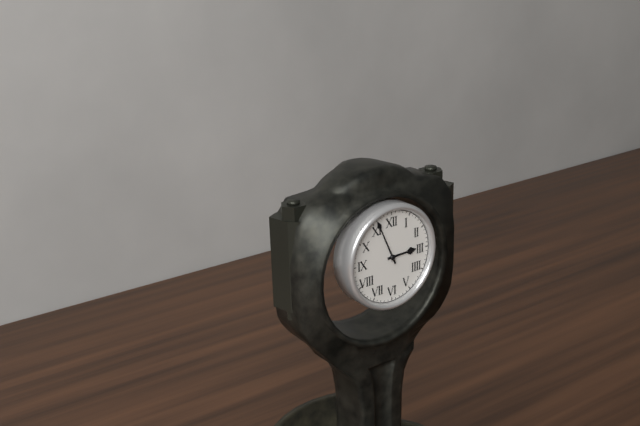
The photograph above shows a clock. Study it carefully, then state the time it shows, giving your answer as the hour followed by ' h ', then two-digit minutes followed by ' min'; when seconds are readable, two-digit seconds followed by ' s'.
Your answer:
2 h 56 min
